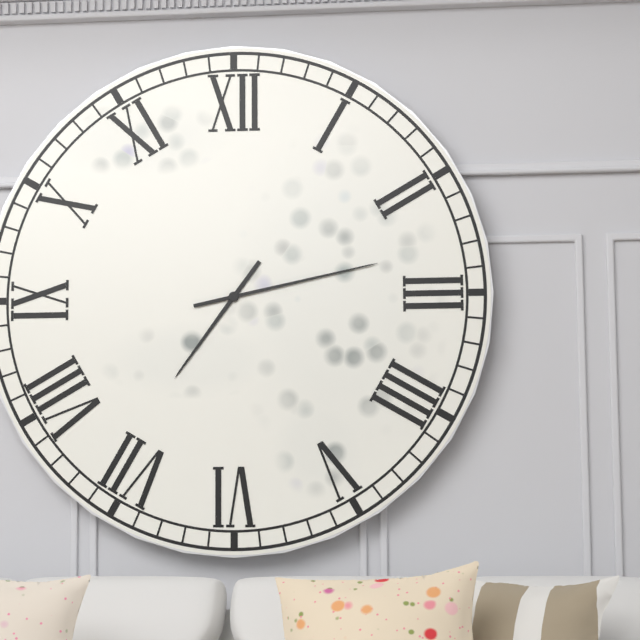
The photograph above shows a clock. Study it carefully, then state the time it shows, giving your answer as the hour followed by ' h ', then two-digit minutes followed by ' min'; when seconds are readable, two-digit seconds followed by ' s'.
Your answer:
7 h 13 min
